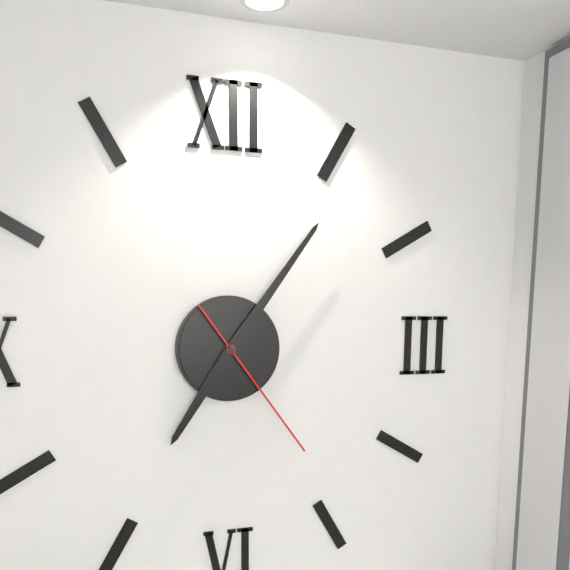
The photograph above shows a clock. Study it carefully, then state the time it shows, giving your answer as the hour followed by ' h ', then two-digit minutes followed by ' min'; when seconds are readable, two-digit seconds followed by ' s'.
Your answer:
7 h 06 min 24 s
